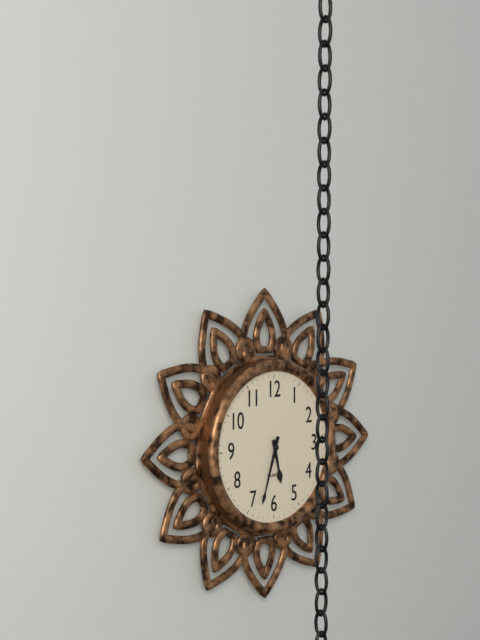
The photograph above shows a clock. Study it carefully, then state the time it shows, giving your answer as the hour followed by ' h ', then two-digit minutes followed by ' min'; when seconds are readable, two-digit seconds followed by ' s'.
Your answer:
5 h 33 min
